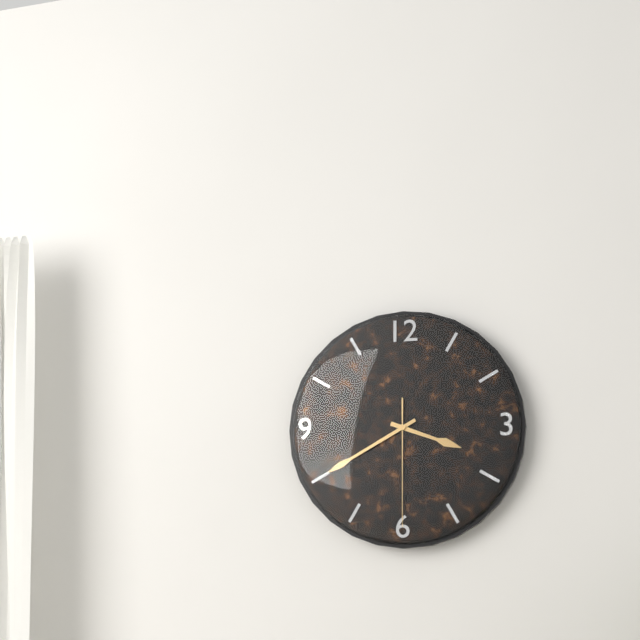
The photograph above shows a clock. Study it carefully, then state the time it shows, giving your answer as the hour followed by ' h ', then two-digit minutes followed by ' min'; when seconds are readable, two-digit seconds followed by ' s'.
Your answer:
3 h 40 min 30 s
